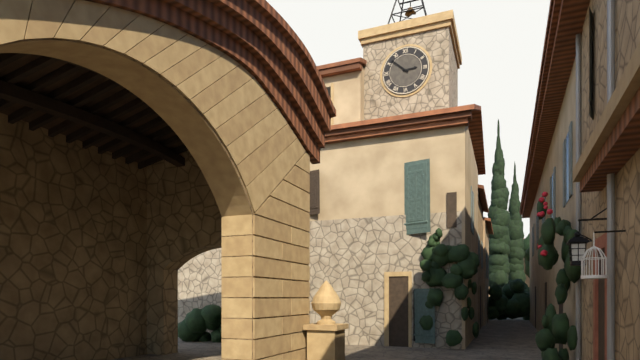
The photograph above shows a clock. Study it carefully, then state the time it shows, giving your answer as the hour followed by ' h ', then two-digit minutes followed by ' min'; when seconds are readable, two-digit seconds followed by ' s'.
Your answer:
2 h 52 min
